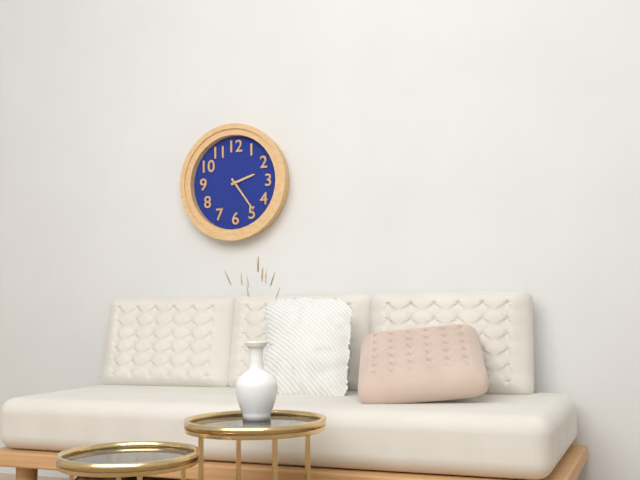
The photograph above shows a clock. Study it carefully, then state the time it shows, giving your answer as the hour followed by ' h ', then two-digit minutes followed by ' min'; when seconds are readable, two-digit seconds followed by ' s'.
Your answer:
2 h 24 min
